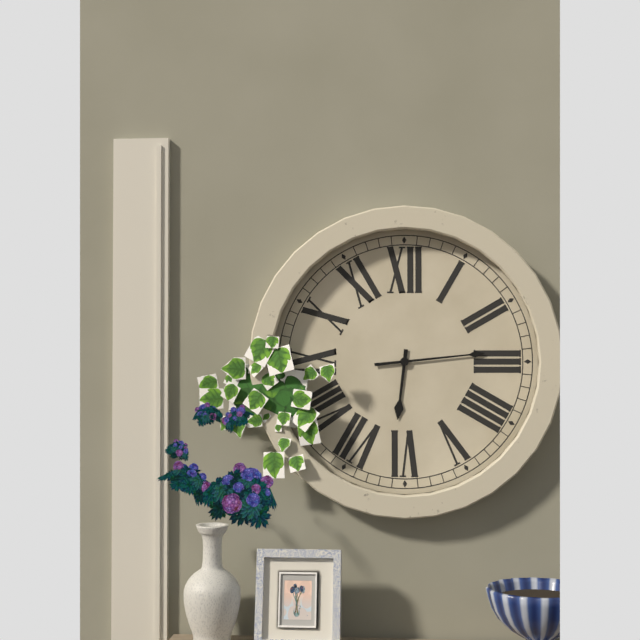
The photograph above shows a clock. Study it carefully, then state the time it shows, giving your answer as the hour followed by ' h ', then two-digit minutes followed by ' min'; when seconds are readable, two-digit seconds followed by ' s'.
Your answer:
6 h 14 min
